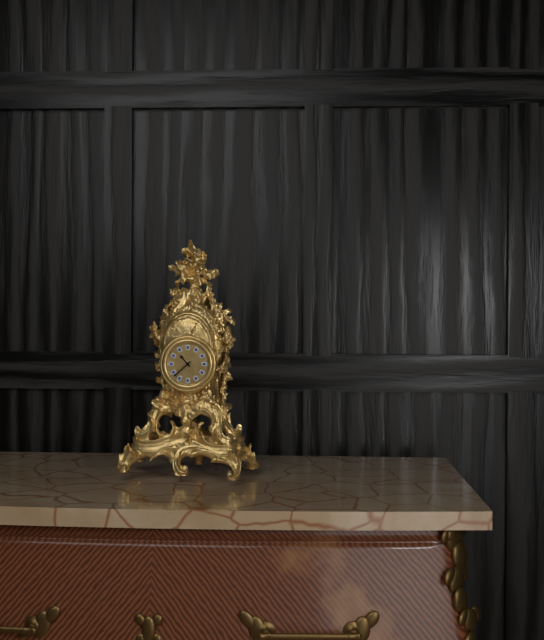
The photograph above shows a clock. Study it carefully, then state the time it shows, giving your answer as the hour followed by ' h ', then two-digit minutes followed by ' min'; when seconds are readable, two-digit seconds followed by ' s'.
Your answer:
10 h 38 min
